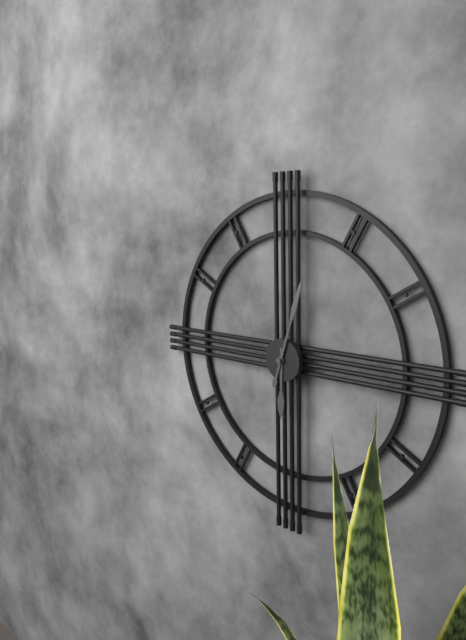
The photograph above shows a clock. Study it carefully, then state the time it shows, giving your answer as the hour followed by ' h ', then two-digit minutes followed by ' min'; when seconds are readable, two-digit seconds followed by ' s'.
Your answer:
6 h 03 min
